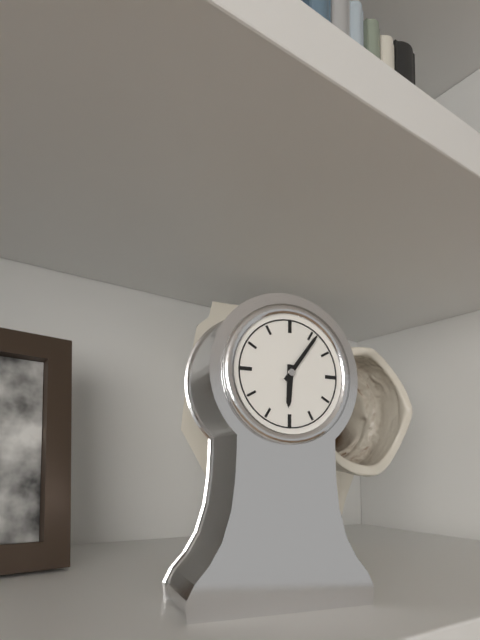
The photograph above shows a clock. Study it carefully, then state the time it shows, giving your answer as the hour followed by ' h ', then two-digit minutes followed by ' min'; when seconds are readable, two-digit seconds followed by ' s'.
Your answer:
6 h 06 min
